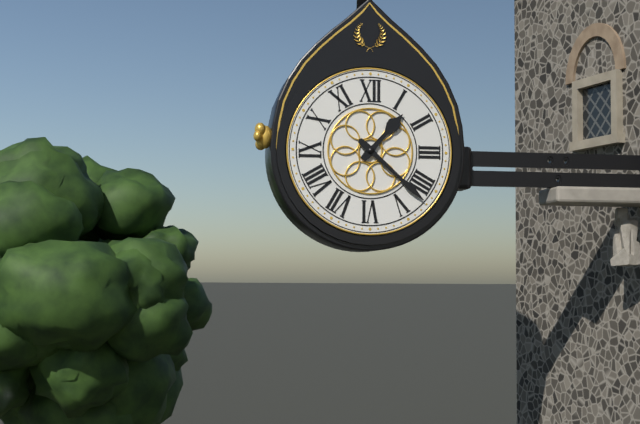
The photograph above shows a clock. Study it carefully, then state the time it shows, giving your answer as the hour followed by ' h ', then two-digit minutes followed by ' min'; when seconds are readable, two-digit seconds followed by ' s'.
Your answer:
1 h 22 min
